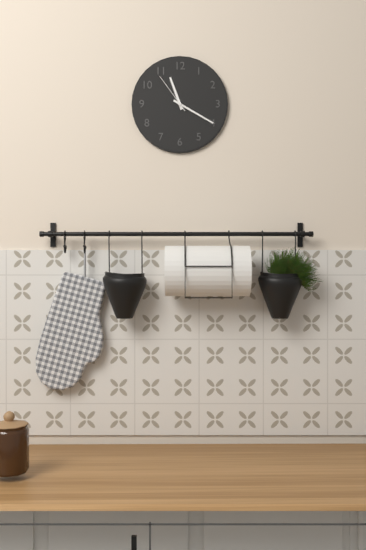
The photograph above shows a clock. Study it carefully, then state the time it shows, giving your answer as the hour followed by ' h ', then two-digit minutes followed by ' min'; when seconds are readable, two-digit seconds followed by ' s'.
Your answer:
11 h 20 min
